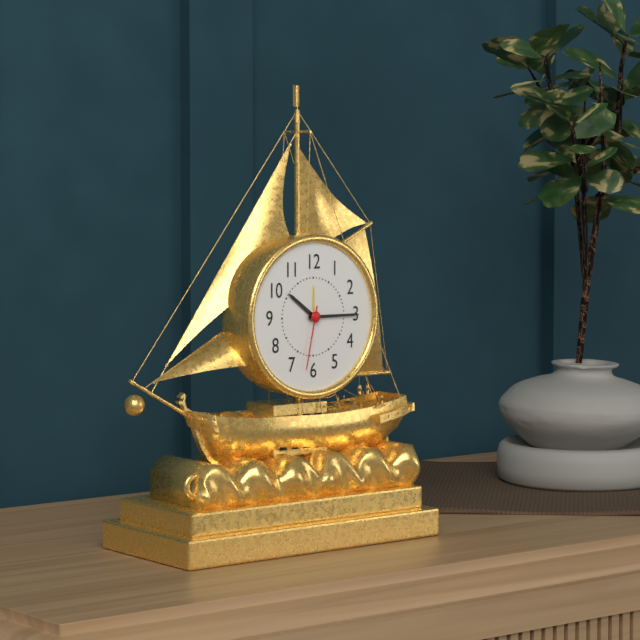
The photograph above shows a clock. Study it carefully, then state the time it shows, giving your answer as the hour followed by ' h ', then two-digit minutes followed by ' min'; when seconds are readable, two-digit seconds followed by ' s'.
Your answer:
10 h 15 min 32 s
